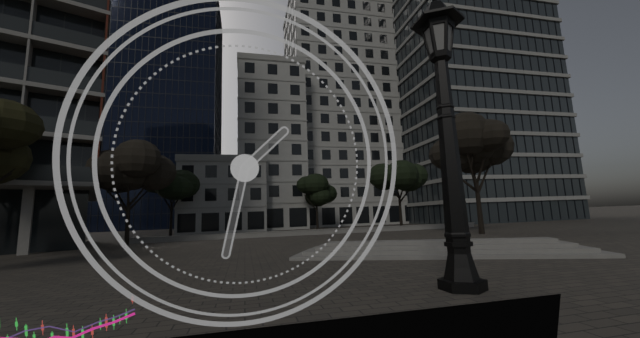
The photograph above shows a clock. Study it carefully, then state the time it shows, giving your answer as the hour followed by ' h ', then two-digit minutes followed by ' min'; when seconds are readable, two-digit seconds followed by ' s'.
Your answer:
1 h 32 min
